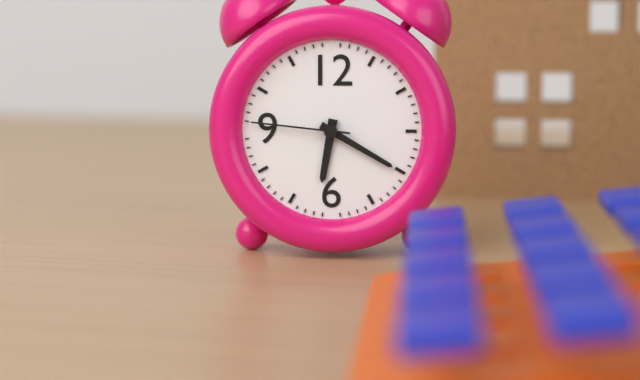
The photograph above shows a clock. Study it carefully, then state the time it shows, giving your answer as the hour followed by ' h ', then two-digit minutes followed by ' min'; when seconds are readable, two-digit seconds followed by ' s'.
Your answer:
6 h 20 min 46 s
